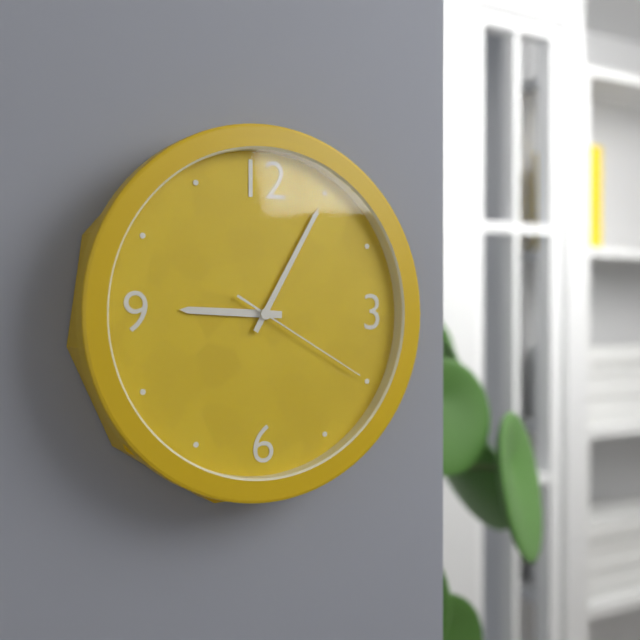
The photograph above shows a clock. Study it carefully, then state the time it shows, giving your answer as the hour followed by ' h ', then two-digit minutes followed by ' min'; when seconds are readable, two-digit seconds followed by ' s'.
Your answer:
9 h 05 min 20 s
